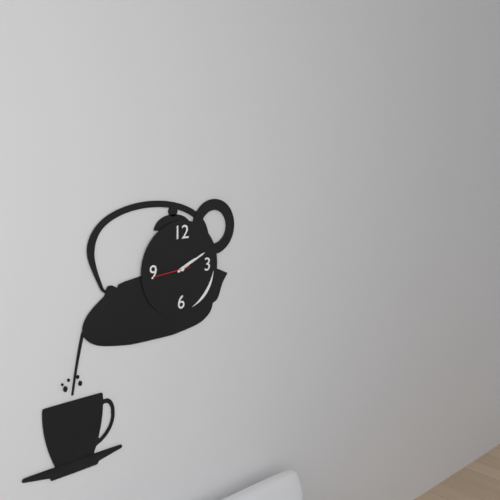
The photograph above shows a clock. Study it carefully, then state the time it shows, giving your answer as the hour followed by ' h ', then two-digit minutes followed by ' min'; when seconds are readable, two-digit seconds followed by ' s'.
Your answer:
2 h 11 min
